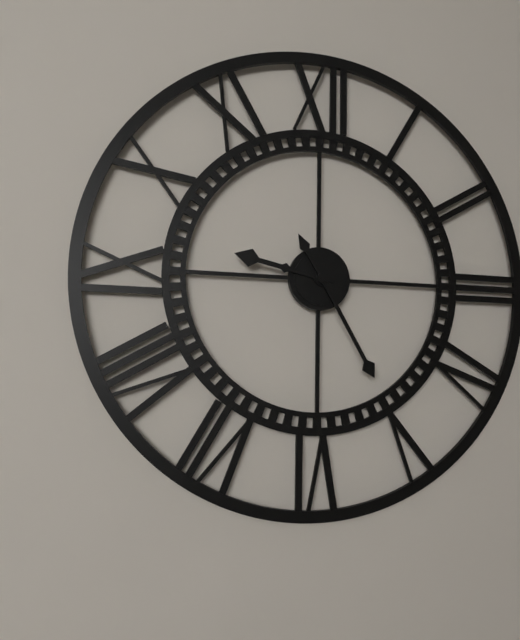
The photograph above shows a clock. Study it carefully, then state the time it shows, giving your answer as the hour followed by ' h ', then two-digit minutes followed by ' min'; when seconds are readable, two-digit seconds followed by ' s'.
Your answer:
9 h 25 min
